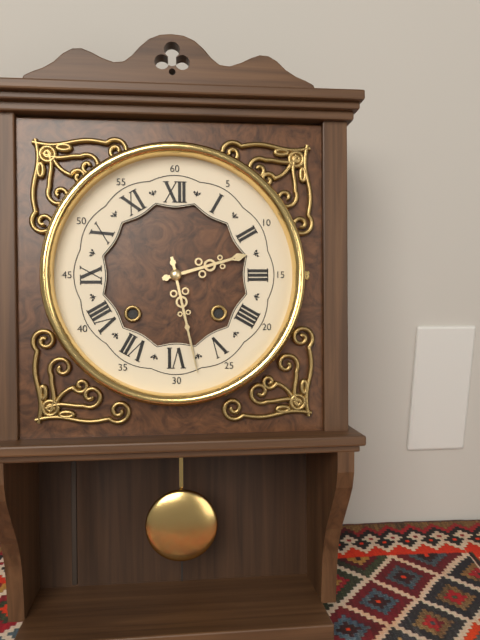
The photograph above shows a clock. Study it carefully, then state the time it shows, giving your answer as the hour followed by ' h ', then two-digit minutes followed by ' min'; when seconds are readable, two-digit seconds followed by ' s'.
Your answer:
2 h 28 min
